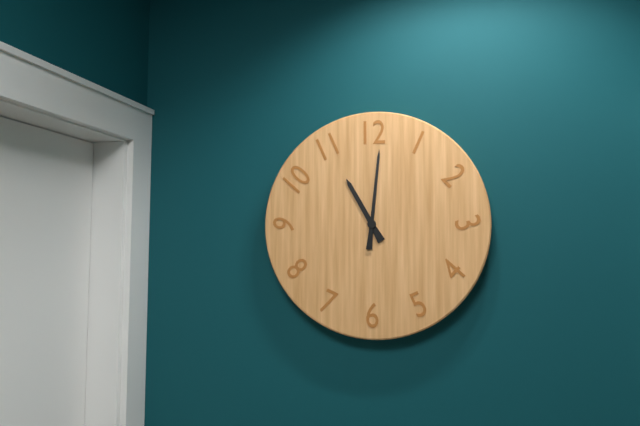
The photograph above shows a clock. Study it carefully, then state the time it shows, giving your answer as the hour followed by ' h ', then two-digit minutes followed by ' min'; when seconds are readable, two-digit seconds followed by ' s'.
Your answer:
11 h 01 min
